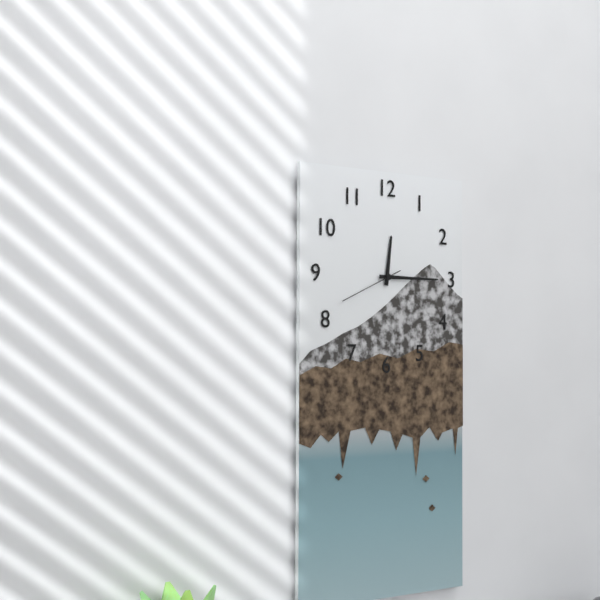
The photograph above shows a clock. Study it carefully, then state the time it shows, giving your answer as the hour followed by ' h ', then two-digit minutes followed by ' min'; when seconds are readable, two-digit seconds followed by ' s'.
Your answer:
12 h 15 min 41 s
